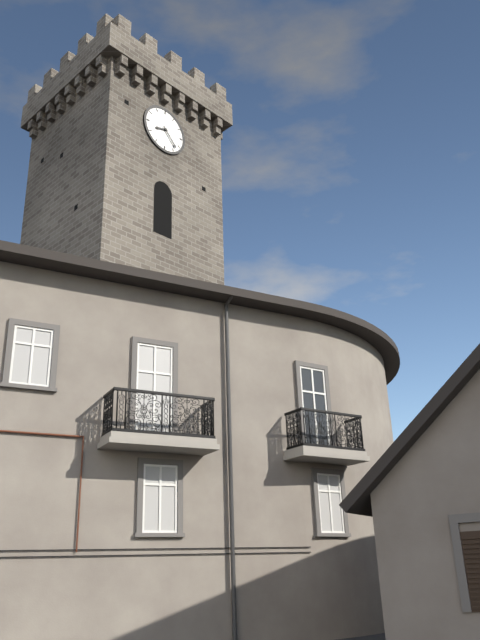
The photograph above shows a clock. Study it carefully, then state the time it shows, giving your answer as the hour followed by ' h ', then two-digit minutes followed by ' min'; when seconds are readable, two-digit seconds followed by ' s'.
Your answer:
8 h 23 min
